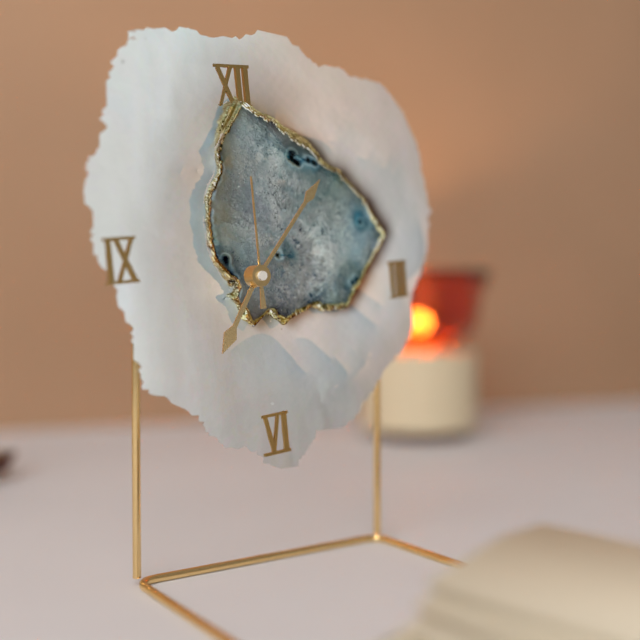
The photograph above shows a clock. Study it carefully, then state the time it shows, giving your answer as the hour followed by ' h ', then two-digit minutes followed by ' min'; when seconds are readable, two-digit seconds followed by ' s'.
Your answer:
7 h 07 min 00 s
